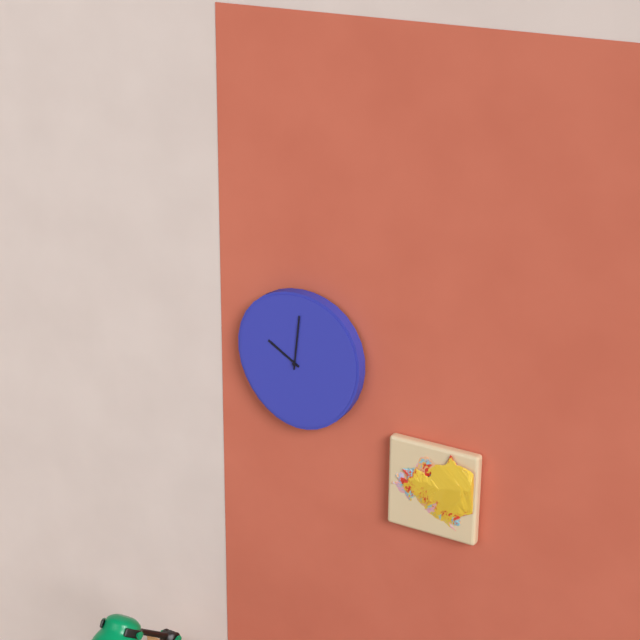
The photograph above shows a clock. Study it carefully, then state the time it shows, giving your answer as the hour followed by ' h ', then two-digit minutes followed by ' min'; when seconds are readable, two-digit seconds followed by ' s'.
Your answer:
10 h 01 min
